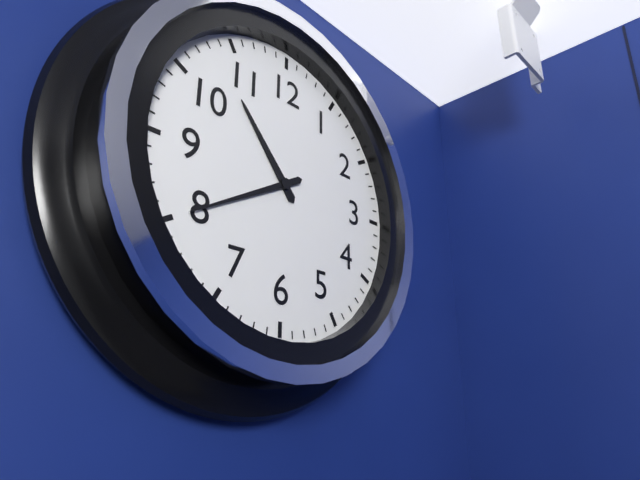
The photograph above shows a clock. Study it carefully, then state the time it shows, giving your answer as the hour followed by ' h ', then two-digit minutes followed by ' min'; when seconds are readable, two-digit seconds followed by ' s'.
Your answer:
10 h 40 min
